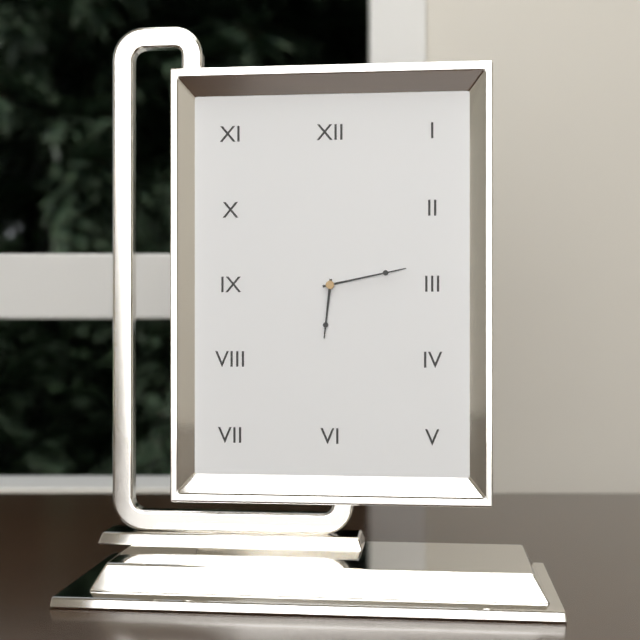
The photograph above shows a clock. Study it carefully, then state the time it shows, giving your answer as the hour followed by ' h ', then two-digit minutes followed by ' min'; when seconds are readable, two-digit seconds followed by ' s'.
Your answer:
6 h 13 min
